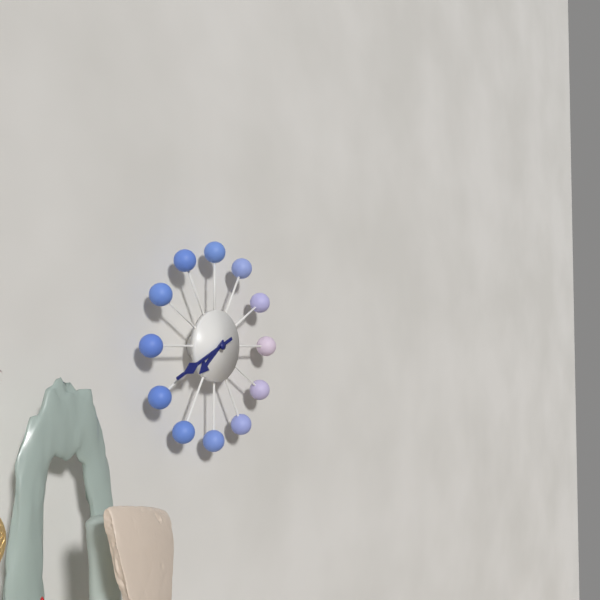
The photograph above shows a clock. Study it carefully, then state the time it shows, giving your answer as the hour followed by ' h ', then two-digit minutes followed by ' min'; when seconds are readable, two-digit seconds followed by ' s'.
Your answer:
7 h 41 min
